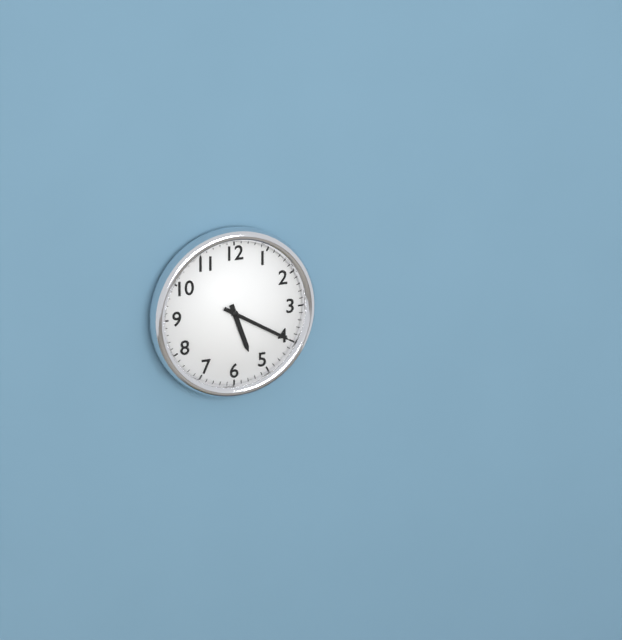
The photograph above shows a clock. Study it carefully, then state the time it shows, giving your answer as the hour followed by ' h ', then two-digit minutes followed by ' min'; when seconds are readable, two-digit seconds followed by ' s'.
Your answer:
5 h 20 min
